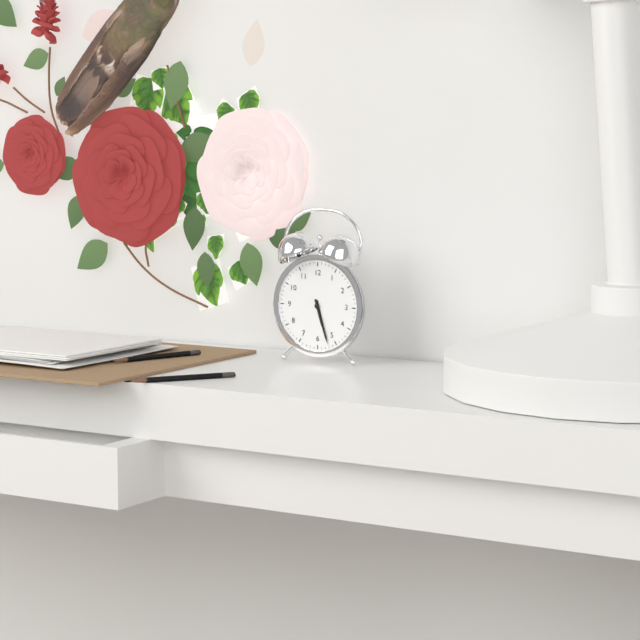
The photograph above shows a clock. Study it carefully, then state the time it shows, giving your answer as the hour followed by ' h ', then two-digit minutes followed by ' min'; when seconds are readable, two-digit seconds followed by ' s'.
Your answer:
5 h 27 min
